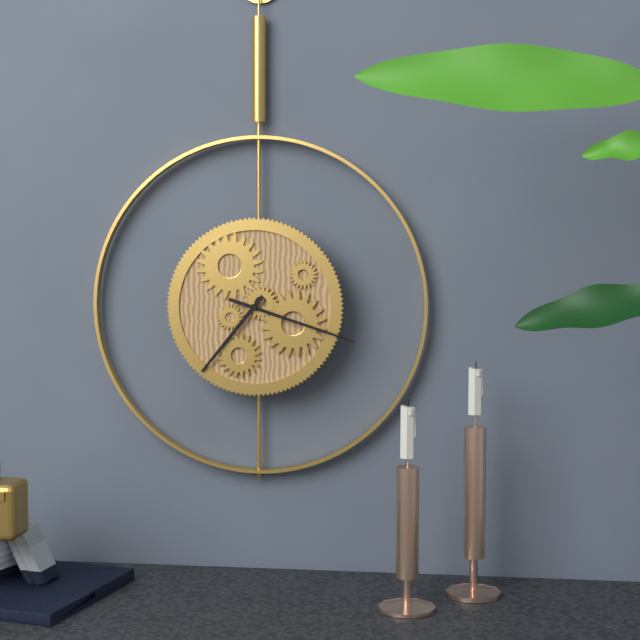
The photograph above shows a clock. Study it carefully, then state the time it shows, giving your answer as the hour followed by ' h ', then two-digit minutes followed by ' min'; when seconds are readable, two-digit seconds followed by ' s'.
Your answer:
7 h 18 min
